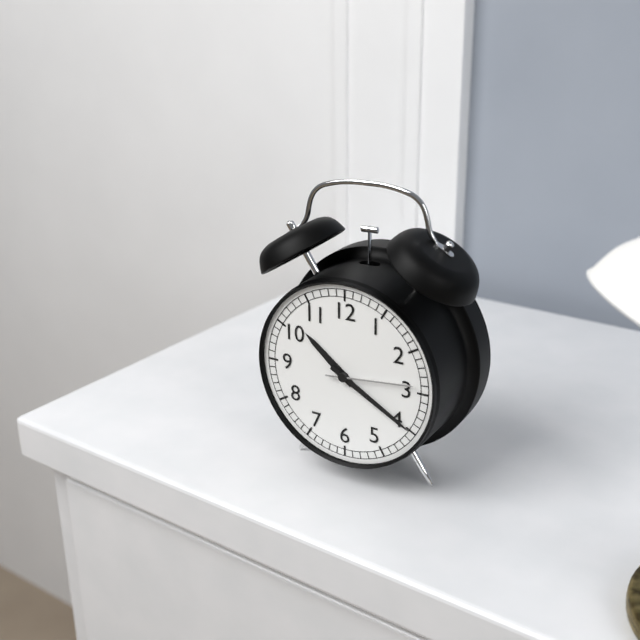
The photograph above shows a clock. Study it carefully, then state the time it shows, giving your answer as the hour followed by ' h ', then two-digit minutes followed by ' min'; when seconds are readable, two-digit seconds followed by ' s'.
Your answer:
10 h 20 min 14 s
